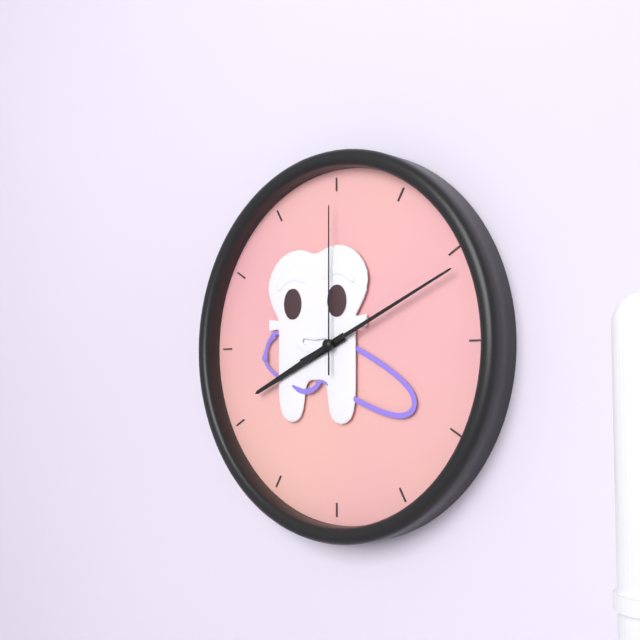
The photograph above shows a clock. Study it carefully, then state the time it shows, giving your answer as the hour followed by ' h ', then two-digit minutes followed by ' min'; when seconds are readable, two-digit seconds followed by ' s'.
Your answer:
8 h 11 min 00 s
